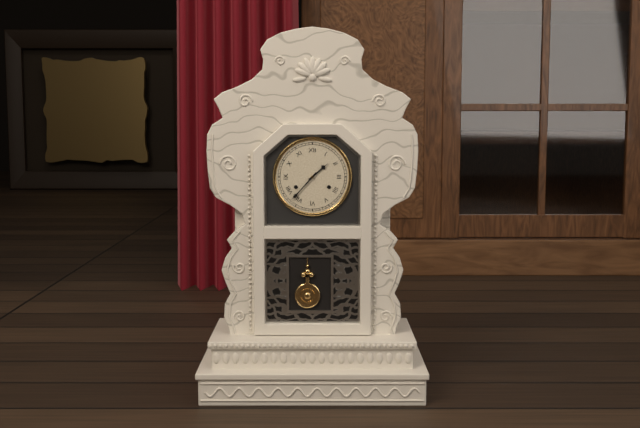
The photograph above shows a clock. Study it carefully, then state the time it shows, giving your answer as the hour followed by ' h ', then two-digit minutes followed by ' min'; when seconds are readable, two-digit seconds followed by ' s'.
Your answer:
1 h 37 min
